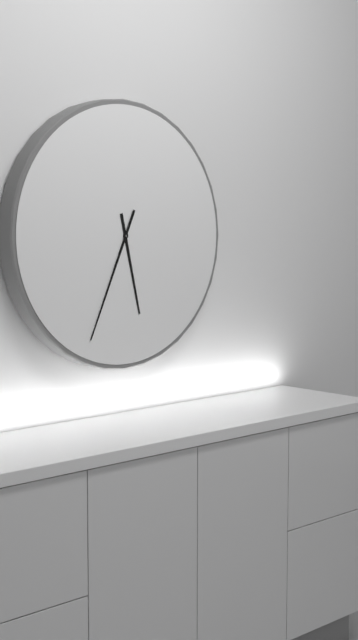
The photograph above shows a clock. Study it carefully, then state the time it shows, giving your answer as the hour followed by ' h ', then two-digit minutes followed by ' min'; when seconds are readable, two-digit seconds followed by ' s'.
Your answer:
5 h 34 min
